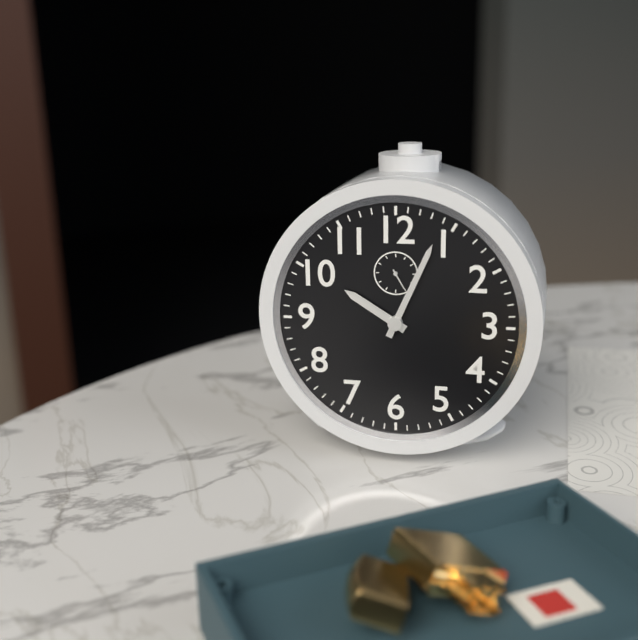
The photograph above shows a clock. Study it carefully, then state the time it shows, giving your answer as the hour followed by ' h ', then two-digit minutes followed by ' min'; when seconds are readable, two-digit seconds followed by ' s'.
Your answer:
10 h 04 min
